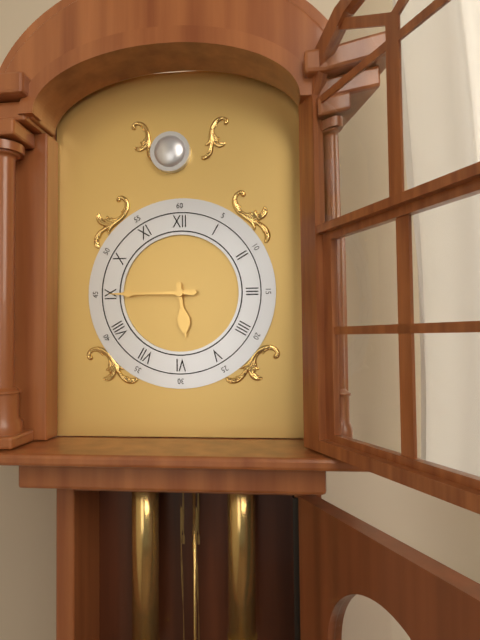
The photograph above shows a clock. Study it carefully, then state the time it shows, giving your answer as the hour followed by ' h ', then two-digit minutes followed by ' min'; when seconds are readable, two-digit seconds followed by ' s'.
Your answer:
5 h 45 min
